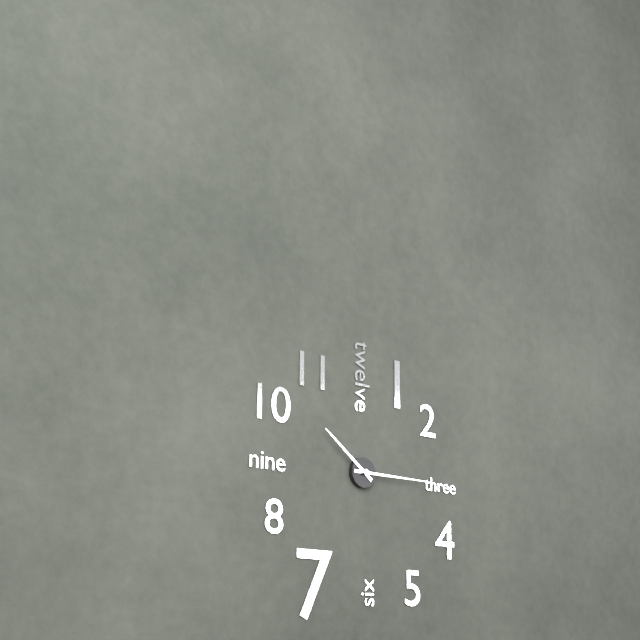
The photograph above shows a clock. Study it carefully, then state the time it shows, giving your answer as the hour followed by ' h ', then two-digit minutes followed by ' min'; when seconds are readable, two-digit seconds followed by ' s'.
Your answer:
10 h 15 min
